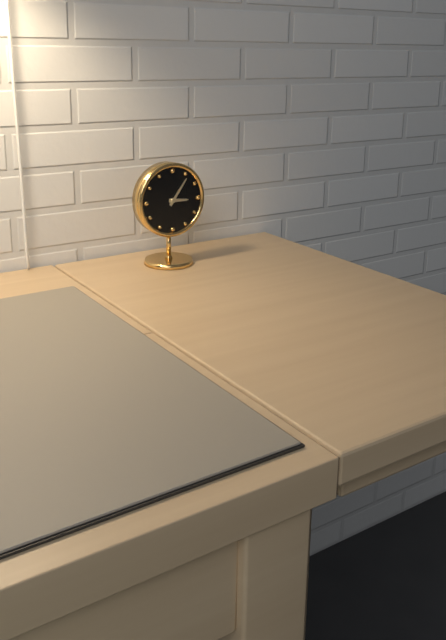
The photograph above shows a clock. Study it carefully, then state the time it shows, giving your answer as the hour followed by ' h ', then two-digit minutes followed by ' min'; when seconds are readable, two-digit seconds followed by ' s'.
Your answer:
3 h 06 min
